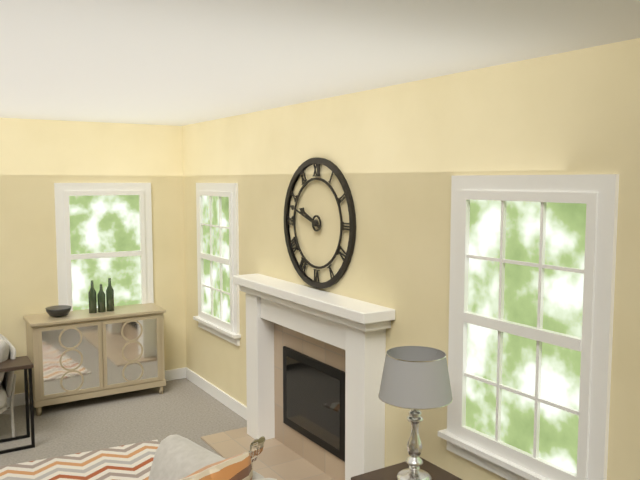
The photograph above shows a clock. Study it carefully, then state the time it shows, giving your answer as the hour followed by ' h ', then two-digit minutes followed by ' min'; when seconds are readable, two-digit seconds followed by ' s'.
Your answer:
9 h 48 min
